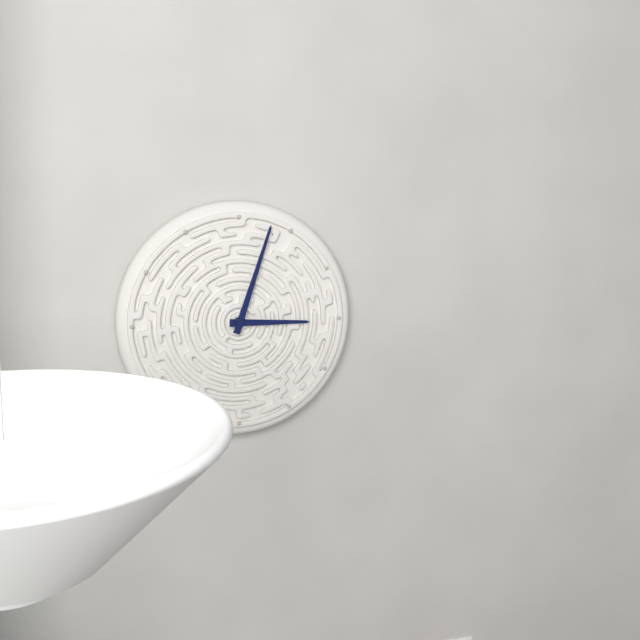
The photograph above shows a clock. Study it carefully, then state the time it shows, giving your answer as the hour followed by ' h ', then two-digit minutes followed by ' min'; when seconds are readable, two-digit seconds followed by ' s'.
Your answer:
3 h 03 min
